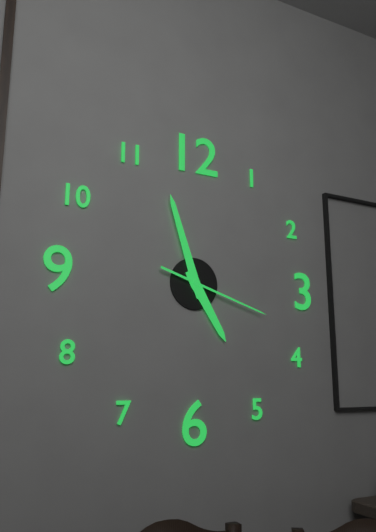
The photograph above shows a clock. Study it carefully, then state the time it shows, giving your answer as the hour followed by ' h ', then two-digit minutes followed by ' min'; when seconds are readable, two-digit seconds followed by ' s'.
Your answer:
4 h 57 min 18 s
